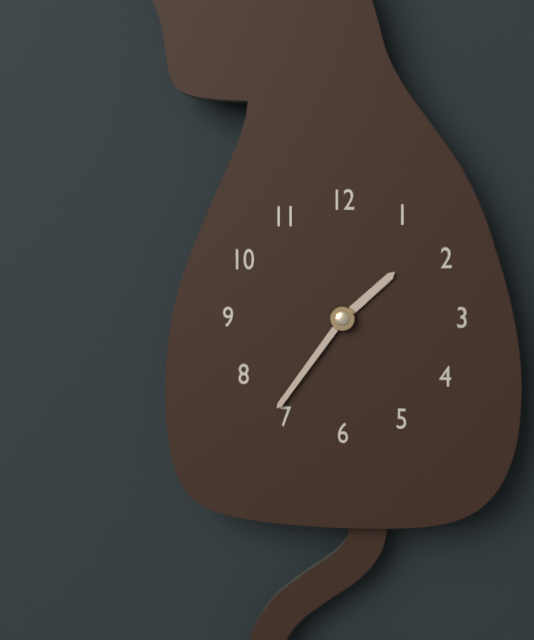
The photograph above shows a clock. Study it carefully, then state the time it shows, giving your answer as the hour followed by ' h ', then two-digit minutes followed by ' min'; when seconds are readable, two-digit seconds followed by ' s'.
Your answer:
1 h 36 min
